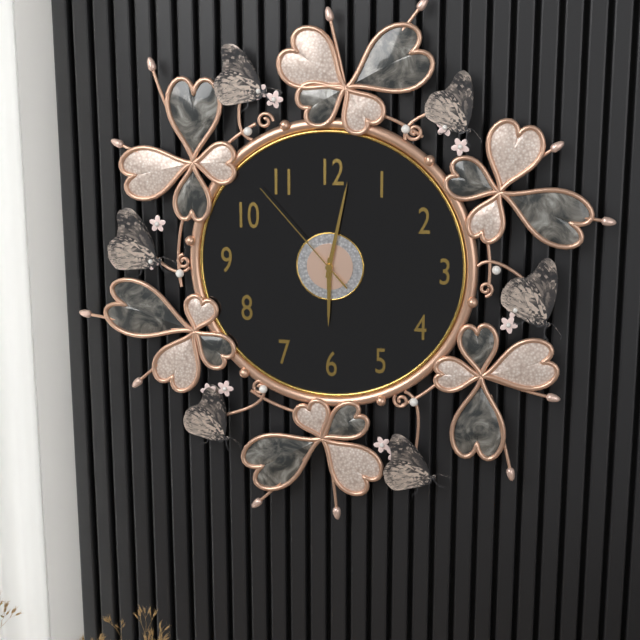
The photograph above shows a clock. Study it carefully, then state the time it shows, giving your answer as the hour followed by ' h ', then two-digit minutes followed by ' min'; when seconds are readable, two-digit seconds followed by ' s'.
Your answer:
6 h 02 min 53 s
